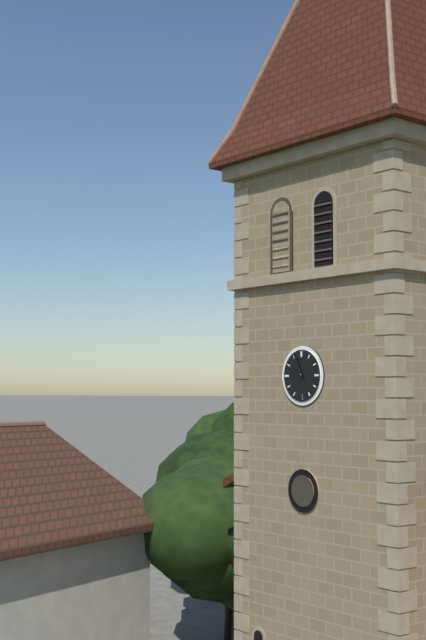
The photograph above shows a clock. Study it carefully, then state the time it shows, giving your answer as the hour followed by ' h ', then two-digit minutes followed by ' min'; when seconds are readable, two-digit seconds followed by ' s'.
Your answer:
9 h 56 min
